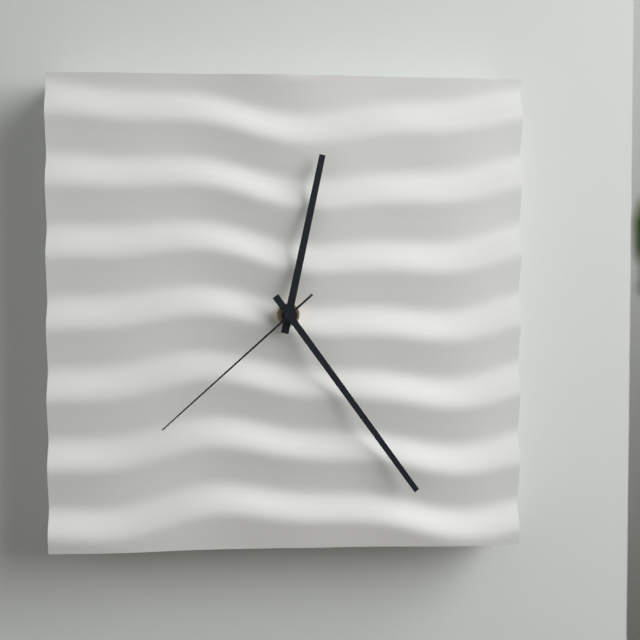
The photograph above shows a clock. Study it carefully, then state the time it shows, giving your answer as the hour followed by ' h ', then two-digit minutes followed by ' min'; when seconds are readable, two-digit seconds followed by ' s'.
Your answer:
12 h 24 min 38 s
